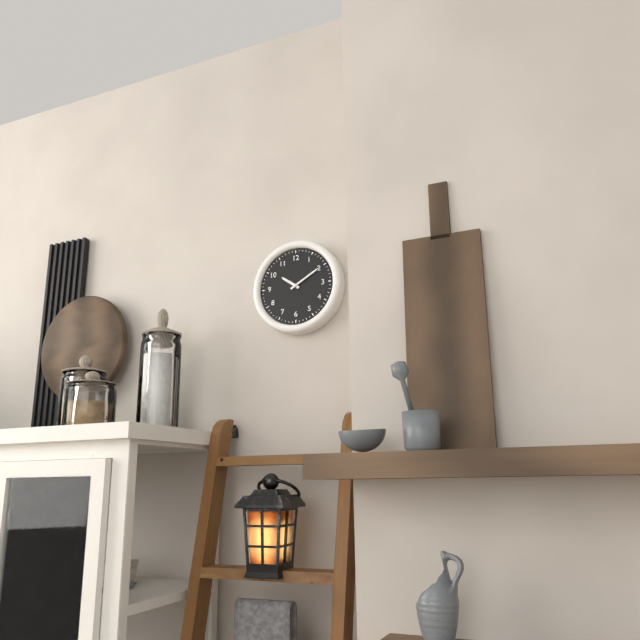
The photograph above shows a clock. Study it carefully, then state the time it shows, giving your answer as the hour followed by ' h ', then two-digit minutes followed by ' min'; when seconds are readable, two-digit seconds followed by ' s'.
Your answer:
10 h 10 min
